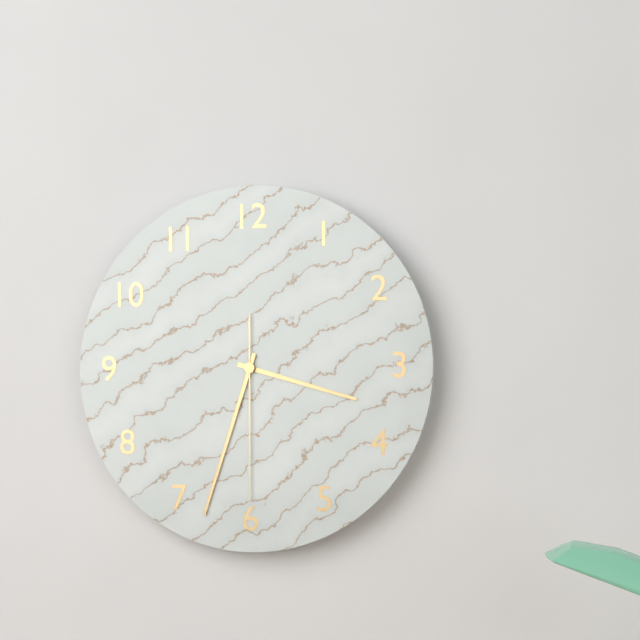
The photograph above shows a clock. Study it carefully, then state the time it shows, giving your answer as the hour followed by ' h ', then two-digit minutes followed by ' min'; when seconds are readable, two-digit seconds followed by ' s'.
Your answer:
3 h 33 min 30 s
